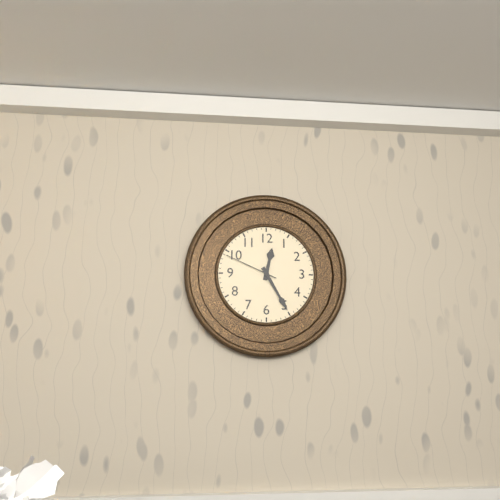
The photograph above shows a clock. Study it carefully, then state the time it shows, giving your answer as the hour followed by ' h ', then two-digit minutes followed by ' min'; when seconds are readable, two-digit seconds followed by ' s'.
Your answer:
12 h 25 min 49 s
